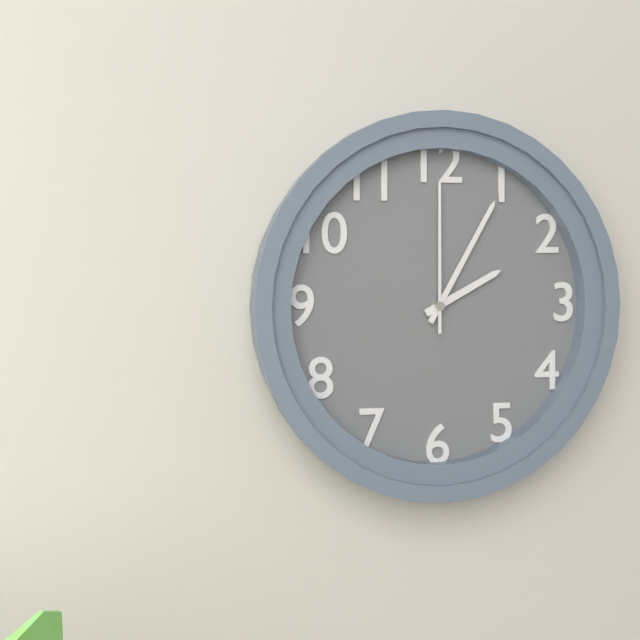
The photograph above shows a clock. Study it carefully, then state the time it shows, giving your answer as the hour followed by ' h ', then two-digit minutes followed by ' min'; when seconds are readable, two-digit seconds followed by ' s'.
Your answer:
2 h 05 min 00 s
